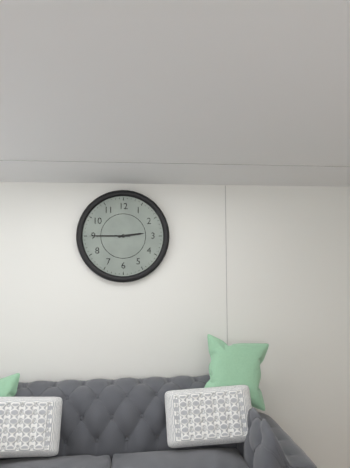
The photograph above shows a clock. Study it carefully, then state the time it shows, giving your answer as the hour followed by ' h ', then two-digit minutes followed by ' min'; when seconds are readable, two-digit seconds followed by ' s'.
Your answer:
2 h 45 min
